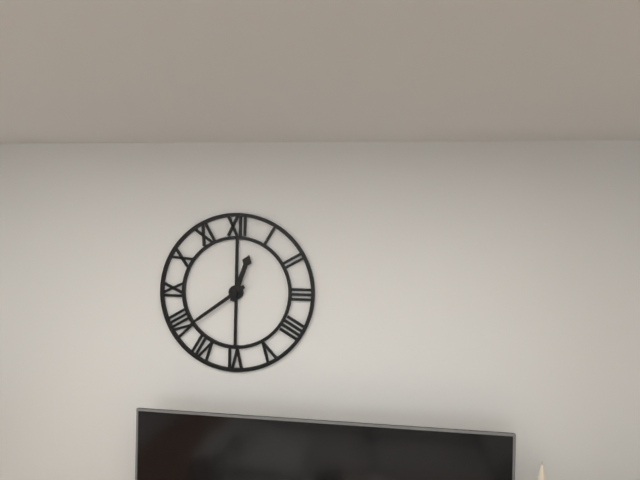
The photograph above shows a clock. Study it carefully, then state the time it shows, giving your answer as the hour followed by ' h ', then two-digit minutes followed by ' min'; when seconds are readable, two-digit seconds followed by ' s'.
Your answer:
12 h 39 min
